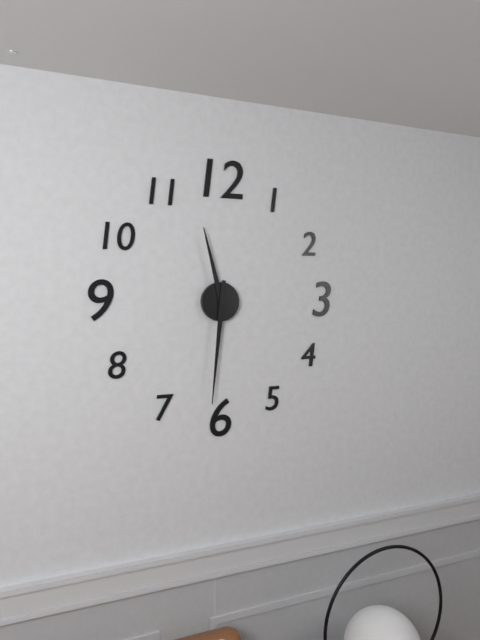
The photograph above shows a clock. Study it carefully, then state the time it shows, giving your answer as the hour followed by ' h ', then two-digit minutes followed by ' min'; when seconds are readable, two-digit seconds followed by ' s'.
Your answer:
11 h 31 min
